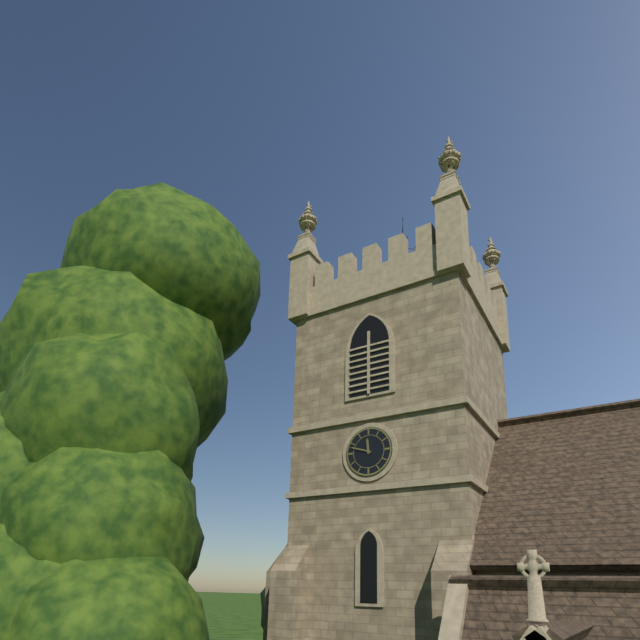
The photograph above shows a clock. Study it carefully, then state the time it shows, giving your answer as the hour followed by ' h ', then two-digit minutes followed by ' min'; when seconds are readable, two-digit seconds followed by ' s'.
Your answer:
11 h 48 min
